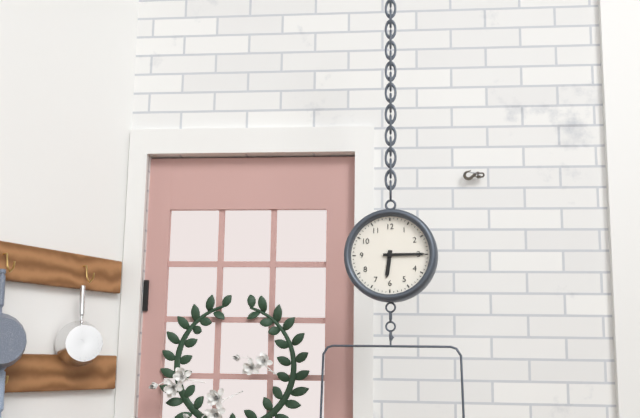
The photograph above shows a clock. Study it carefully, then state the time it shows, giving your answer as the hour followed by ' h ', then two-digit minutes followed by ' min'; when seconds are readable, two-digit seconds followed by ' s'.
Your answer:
6 h 15 min
